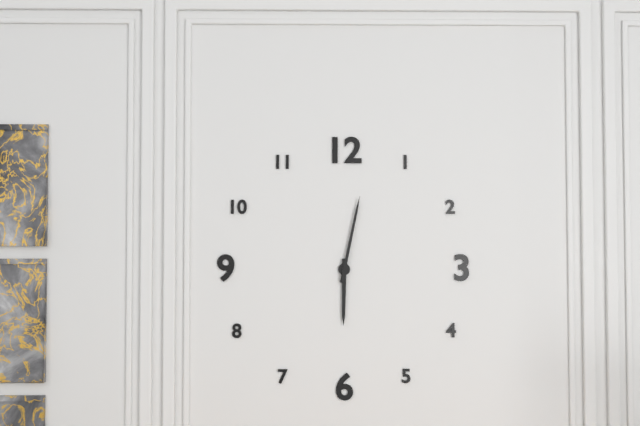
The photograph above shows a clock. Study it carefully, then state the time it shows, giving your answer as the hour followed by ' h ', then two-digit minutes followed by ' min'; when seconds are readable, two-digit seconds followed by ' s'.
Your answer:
6 h 02 min
